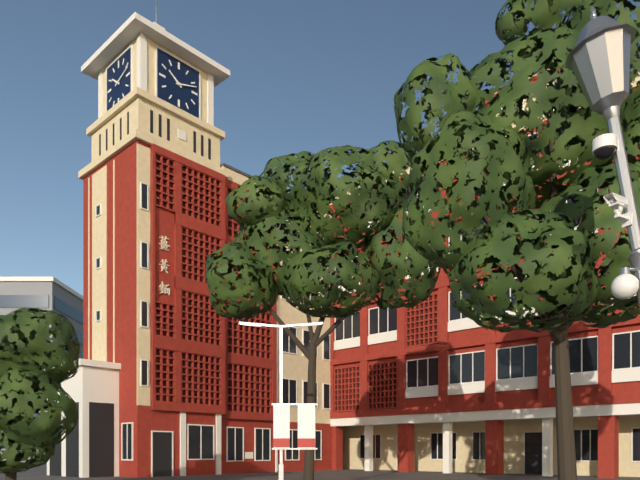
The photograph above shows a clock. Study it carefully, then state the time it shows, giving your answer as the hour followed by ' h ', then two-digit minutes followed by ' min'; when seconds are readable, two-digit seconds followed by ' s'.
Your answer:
10 h 12 min
